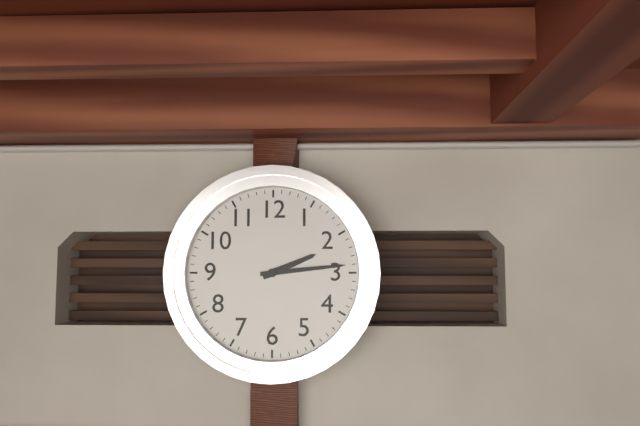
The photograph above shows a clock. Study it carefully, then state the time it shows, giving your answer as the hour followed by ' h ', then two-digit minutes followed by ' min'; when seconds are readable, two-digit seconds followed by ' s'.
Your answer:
2 h 14 min
